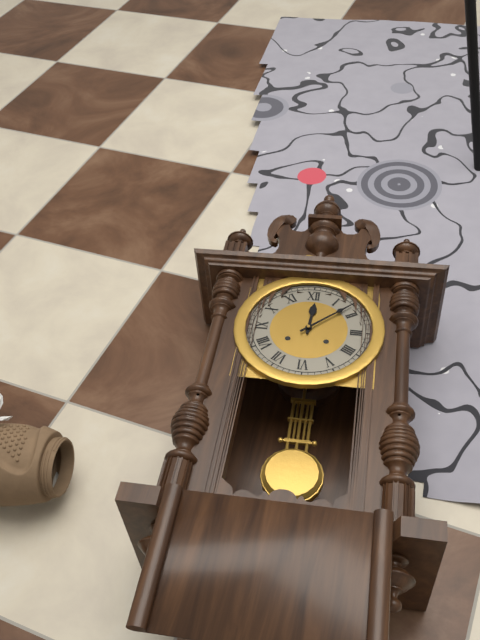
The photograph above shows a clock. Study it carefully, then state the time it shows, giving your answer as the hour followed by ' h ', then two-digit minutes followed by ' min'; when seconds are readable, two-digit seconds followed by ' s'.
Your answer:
12 h 08 min
